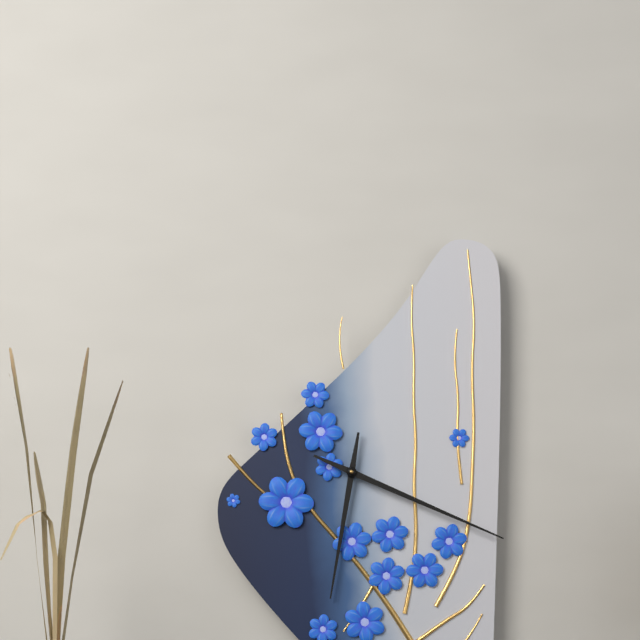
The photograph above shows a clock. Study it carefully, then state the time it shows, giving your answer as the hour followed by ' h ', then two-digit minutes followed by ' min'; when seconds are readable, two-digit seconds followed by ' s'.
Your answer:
6 h 19 min
